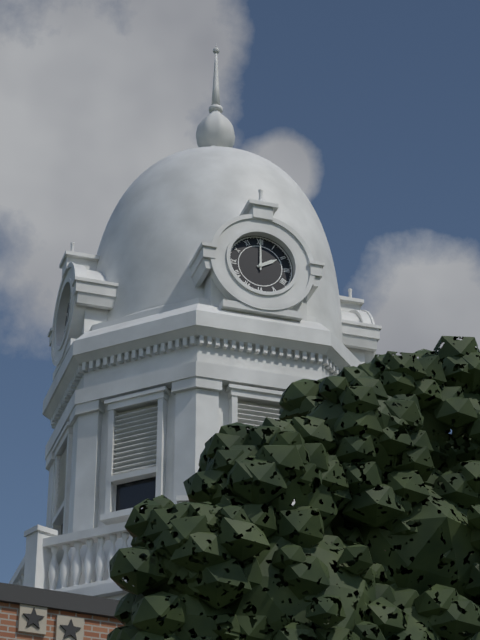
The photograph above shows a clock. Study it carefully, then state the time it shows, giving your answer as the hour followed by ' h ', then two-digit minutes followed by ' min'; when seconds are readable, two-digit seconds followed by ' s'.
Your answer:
2 h 00 min
